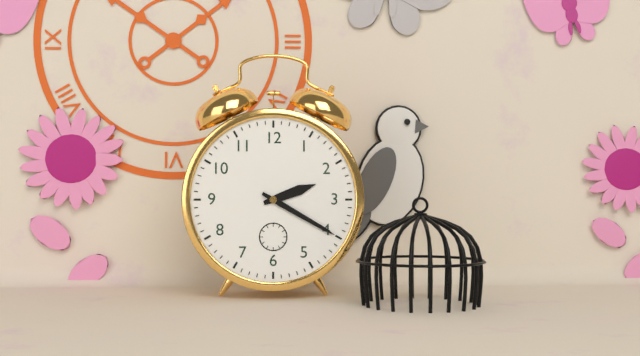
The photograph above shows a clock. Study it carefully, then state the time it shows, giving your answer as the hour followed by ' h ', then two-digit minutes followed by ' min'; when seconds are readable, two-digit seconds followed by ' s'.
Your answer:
2 h 20 min
